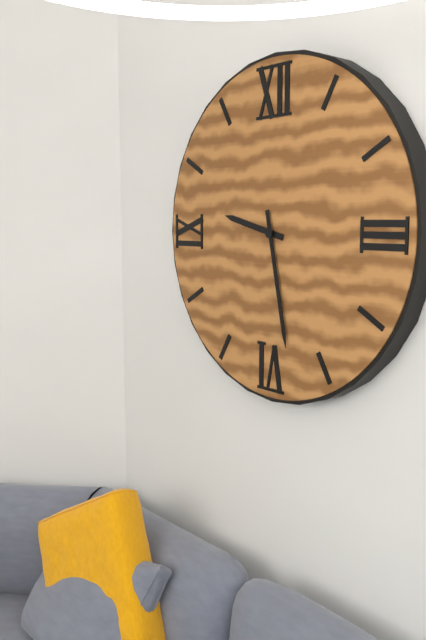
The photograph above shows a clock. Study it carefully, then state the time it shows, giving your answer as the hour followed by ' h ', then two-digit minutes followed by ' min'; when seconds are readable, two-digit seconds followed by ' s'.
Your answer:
9 h 28 min
